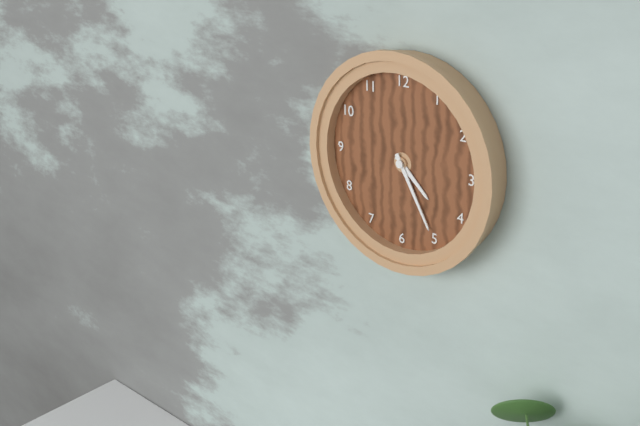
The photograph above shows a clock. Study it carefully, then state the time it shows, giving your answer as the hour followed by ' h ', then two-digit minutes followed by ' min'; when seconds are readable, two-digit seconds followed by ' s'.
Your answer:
4 h 25 min
